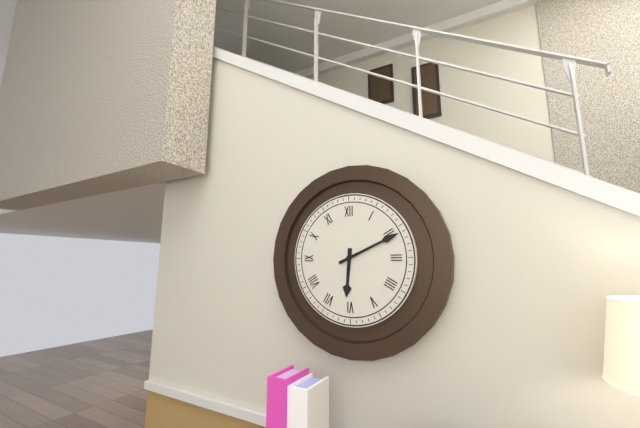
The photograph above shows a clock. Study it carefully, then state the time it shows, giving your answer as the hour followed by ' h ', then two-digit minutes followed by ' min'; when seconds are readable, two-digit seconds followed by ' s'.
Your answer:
6 h 11 min
